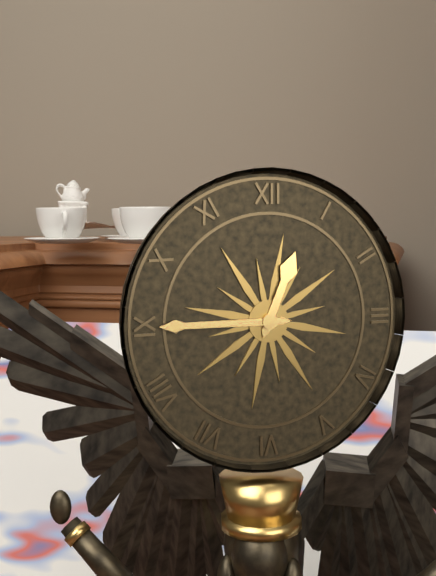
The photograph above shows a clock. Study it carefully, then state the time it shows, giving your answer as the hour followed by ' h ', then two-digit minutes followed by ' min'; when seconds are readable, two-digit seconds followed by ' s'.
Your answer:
12 h 45 min
